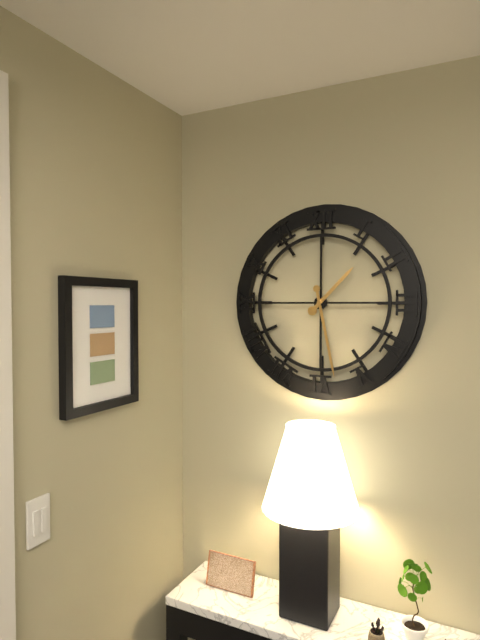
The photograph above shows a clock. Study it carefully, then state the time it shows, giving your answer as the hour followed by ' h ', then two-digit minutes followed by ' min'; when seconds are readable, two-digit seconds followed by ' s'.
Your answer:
1 h 28 min
